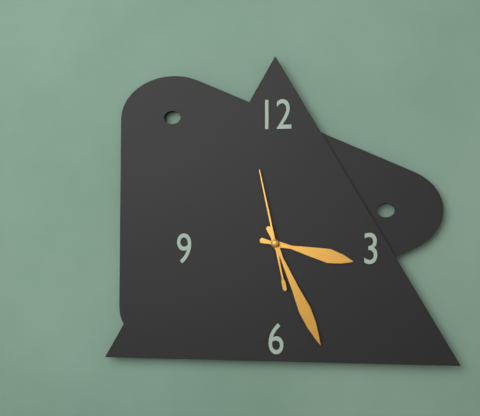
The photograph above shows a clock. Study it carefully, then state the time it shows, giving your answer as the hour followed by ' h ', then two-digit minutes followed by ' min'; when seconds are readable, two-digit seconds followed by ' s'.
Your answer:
3 h 26 min 58 s
